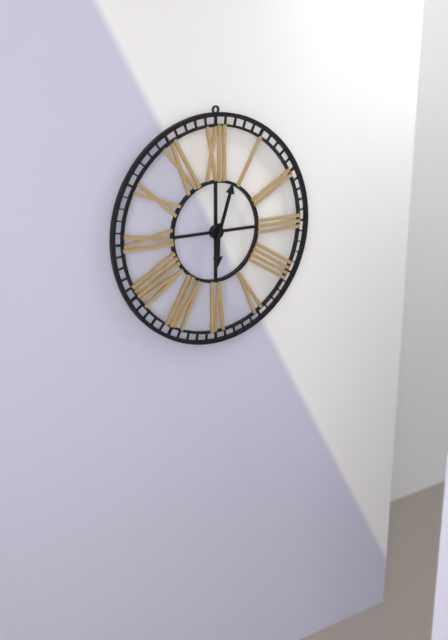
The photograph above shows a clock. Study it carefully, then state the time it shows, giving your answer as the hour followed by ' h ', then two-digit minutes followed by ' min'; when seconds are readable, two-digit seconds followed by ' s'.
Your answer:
6 h 03 min
